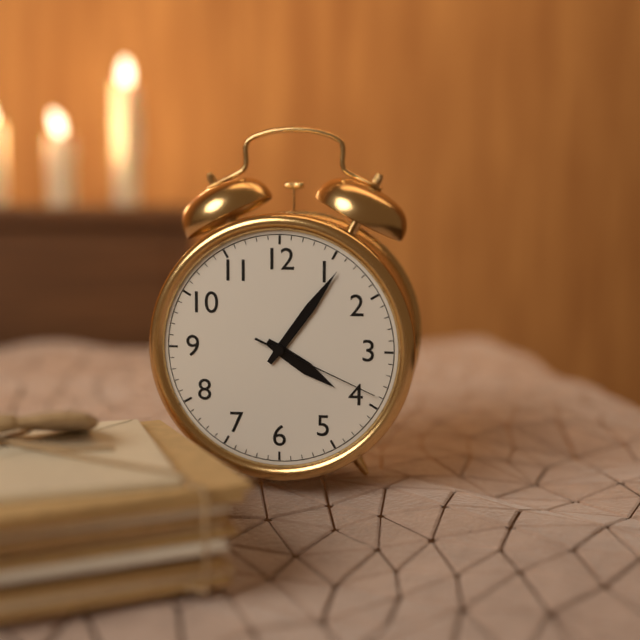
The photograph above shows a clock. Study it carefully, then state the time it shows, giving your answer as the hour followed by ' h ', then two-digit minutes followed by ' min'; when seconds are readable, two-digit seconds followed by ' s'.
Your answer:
4 h 06 min 19 s
